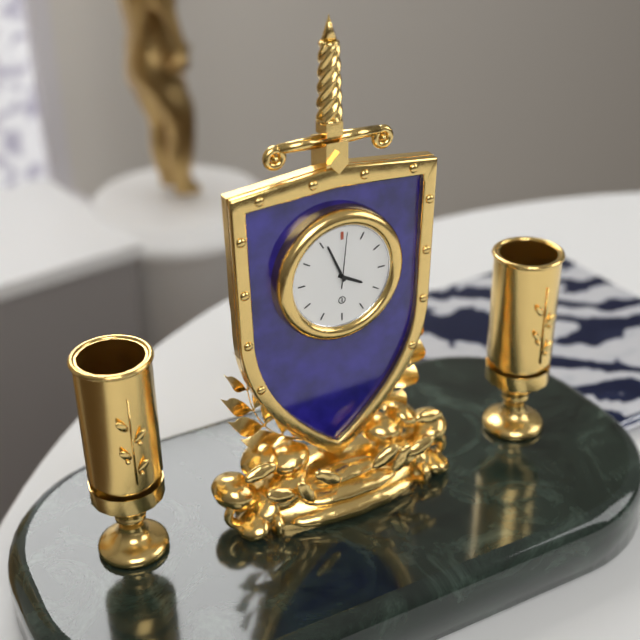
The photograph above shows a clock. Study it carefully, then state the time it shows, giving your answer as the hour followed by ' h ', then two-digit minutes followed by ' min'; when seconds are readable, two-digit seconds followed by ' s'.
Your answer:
3 h 56 min 01 s
